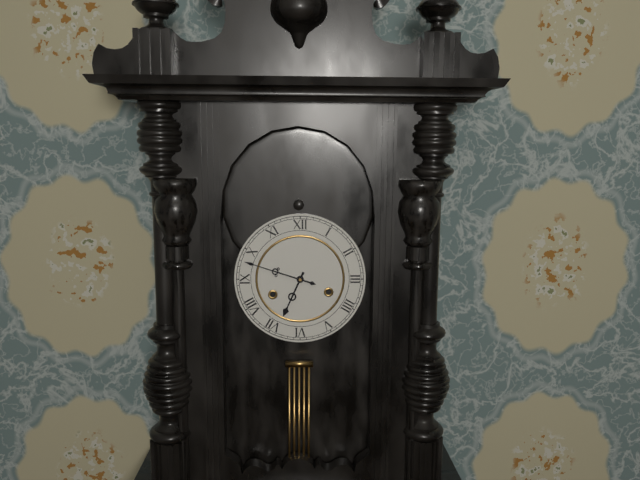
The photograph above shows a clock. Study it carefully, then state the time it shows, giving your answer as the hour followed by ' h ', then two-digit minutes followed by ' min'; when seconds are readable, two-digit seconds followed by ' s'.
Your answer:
6 h 48 min
